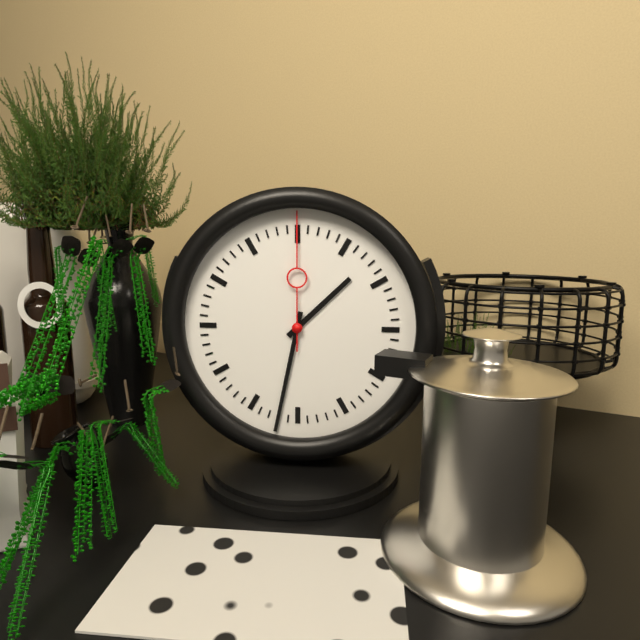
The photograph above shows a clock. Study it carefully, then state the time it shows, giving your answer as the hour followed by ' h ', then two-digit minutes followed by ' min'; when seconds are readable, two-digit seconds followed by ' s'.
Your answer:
1 h 32 min 00 s
